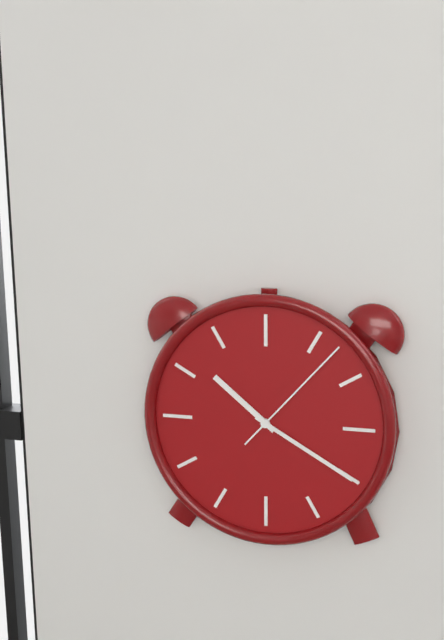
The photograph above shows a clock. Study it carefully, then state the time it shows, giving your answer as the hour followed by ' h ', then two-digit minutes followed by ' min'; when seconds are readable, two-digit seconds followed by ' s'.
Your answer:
10 h 20 min 07 s
